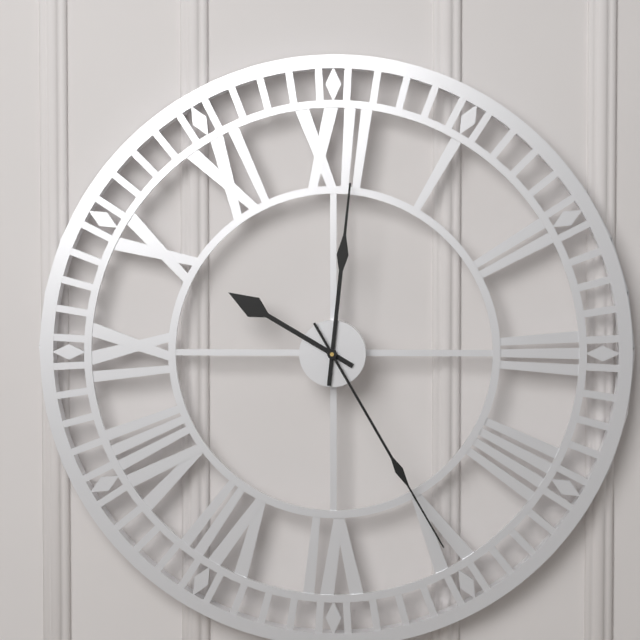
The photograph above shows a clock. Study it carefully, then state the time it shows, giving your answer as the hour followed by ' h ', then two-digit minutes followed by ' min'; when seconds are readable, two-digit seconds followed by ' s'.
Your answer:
10 h 01 min 25 s
